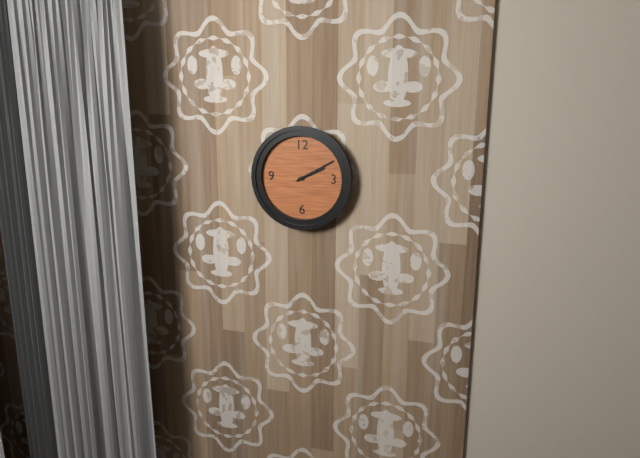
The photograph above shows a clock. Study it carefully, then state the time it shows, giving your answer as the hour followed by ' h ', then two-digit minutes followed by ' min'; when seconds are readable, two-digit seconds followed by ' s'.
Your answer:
2 h 10 min
